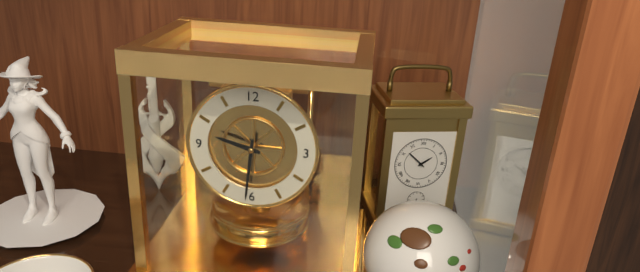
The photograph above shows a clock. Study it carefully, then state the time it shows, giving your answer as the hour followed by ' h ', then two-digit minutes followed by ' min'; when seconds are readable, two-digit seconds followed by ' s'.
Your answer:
9 h 31 min
